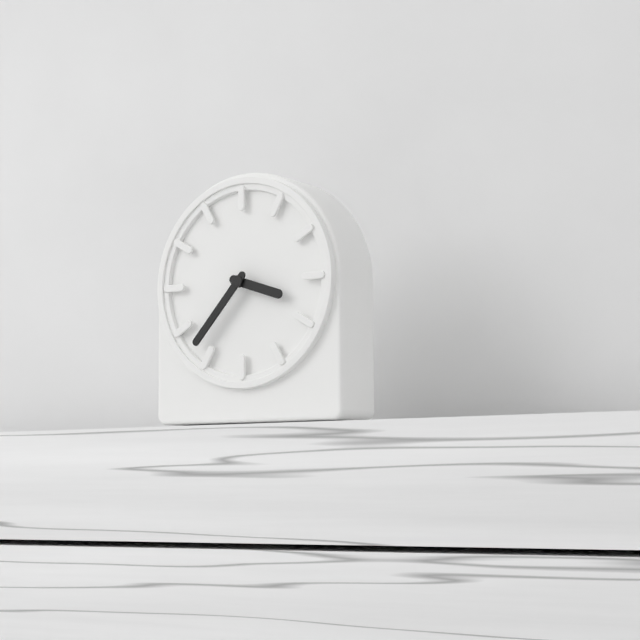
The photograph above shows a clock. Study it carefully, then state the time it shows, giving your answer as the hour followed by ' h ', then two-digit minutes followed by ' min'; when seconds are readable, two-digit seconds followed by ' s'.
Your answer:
3 h 37 min
